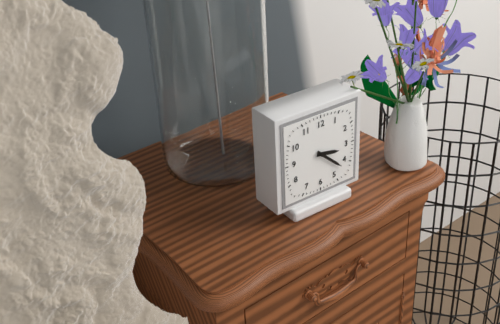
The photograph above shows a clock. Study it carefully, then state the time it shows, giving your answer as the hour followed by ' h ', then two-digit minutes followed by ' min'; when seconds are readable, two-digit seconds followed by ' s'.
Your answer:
3 h 22 min
